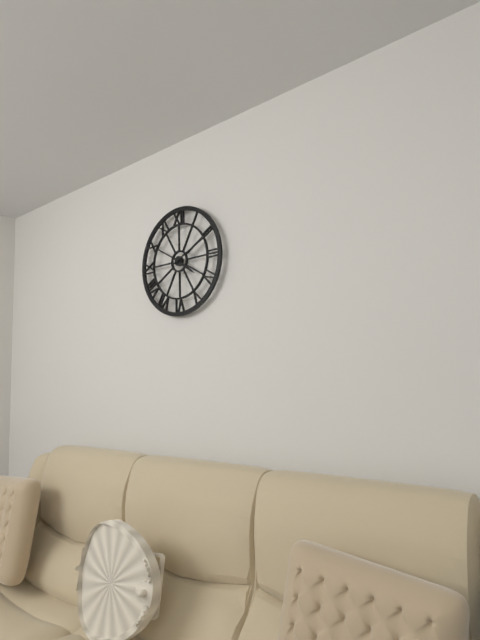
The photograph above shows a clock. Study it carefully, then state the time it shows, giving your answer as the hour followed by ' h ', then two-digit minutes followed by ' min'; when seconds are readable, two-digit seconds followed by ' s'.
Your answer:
4 h 11 min
